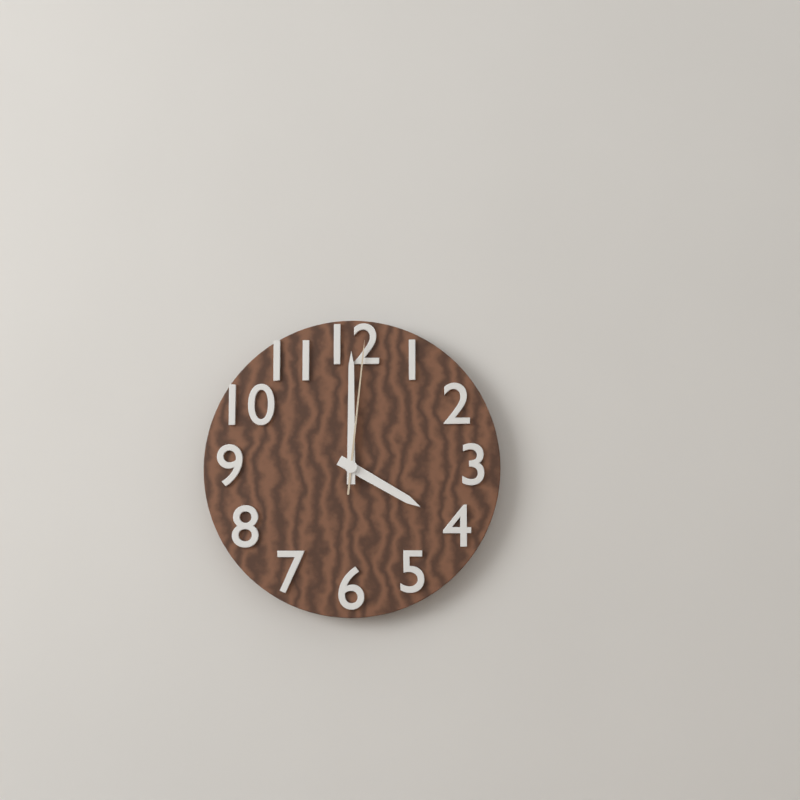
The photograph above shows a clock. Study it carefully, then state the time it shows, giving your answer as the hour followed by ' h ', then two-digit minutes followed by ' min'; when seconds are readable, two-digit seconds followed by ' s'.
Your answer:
4 h 00 min 01 s
